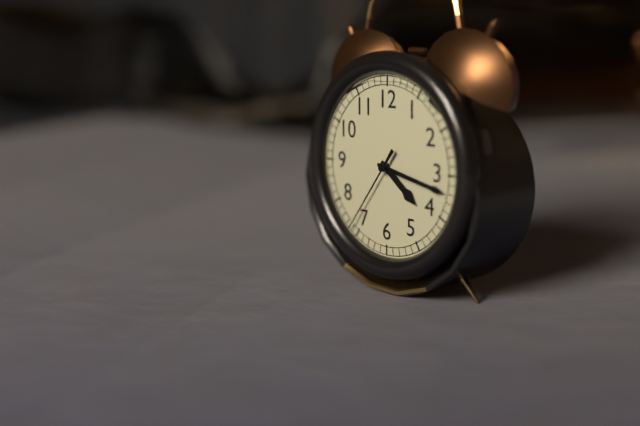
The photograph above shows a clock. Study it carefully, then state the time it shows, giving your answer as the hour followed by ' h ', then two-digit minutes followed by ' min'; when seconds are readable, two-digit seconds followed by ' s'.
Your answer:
4 h 17 min 36 s
